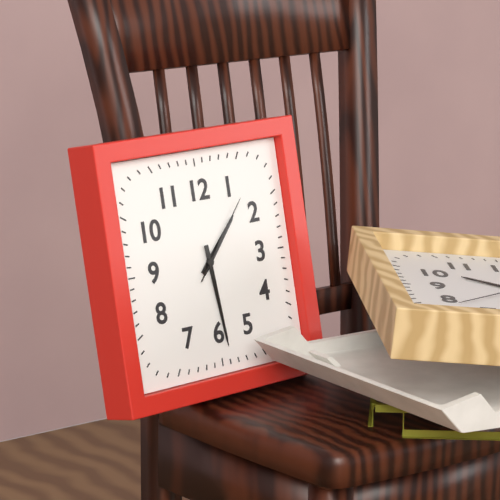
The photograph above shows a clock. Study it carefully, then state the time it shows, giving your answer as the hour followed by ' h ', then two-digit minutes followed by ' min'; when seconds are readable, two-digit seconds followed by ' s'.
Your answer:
1 h 29 min 07 s
